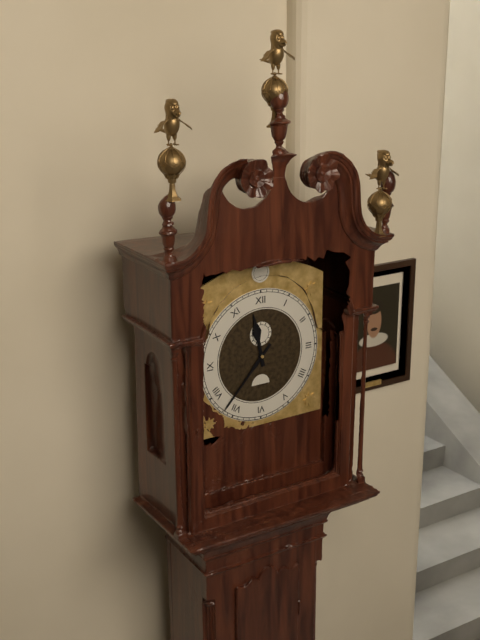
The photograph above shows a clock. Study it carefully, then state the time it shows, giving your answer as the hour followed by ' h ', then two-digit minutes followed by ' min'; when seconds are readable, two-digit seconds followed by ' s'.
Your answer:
11 h 37 min
